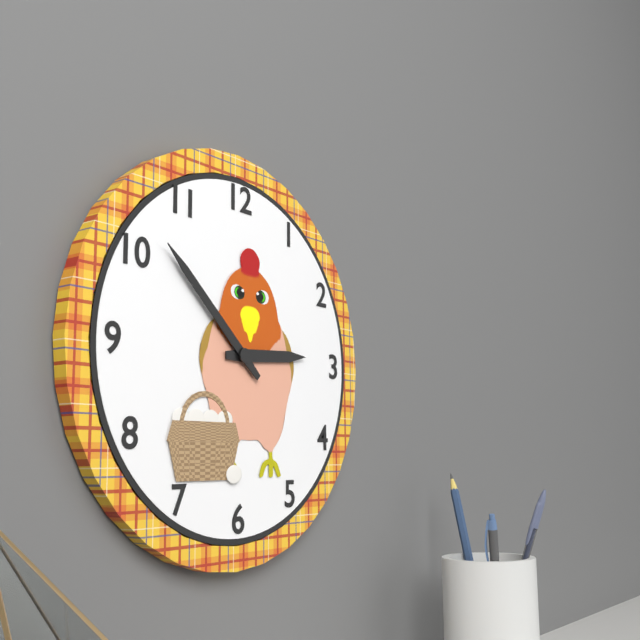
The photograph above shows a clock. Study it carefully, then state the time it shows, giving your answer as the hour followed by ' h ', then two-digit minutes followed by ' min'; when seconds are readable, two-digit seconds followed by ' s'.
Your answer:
2 h 52 min
